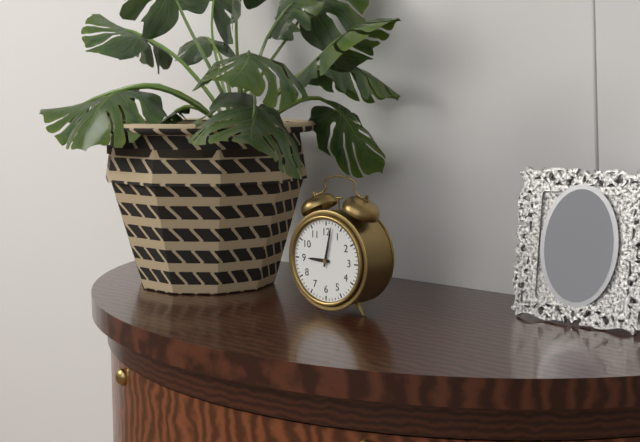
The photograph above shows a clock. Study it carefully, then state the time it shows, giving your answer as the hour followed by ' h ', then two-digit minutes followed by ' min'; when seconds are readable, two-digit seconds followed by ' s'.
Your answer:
9 h 02 min
